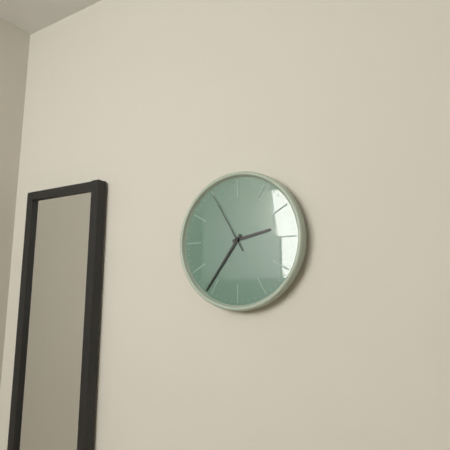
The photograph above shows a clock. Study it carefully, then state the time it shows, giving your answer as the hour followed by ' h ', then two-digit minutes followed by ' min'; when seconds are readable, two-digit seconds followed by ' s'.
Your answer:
2 h 36 min 55 s
